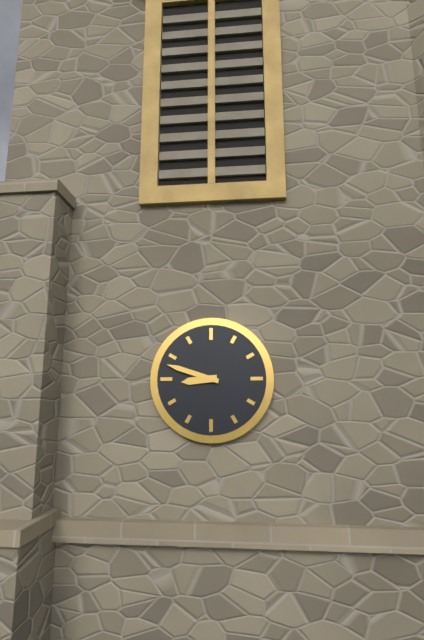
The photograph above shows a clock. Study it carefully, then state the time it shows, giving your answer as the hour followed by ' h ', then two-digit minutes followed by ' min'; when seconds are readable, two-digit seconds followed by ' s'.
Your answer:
8 h 48 min
